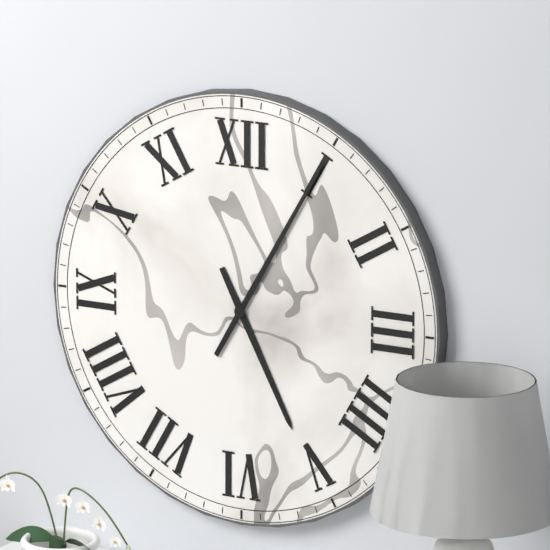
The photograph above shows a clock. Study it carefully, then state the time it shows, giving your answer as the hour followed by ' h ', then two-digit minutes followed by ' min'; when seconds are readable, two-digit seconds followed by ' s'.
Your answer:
5 h 05 min
